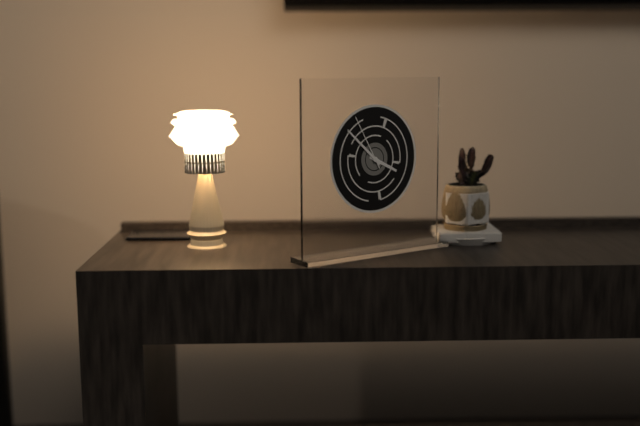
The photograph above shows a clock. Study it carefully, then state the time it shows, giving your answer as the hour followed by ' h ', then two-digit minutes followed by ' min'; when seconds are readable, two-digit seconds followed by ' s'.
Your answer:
3 h 52 min 55 s
